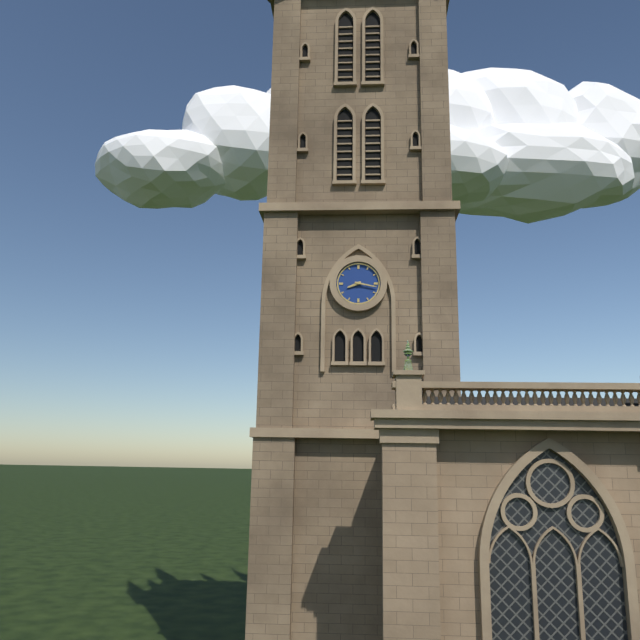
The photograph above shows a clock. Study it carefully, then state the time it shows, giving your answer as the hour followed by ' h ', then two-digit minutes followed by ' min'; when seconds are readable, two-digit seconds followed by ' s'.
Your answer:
8 h 17 min
